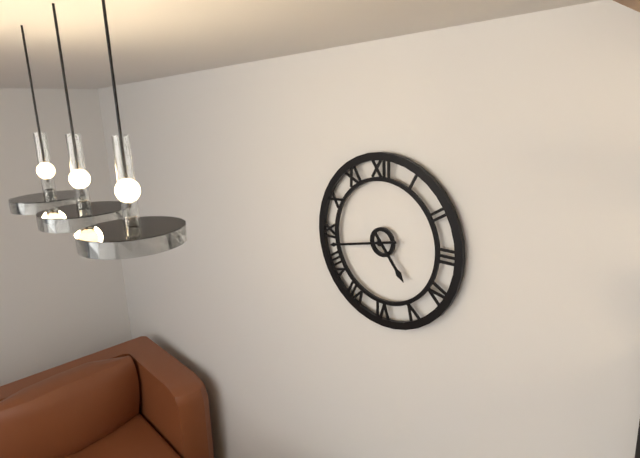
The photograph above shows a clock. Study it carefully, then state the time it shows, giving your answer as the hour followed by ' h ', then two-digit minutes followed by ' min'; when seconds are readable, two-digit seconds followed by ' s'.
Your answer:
4 h 43 min
